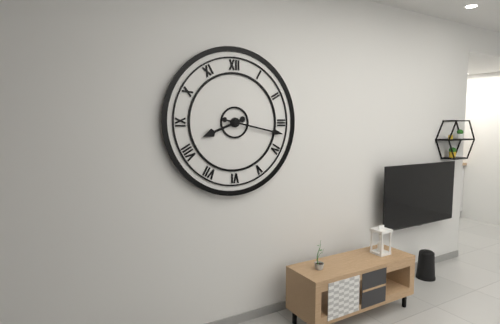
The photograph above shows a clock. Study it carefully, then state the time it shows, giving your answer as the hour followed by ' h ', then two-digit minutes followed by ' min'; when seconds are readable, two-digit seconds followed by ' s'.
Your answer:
8 h 17 min
